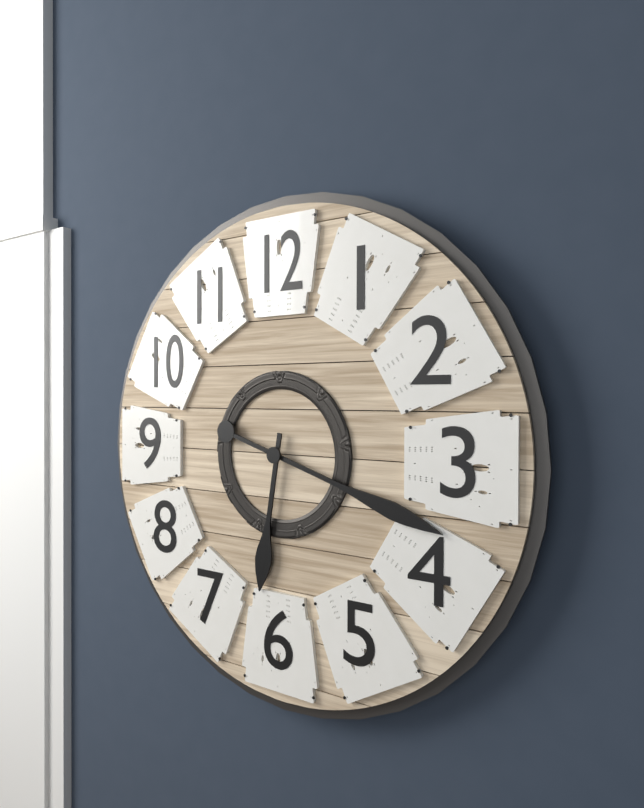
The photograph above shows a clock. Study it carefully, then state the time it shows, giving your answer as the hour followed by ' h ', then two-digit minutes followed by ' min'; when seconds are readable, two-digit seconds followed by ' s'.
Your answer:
6 h 18 min
